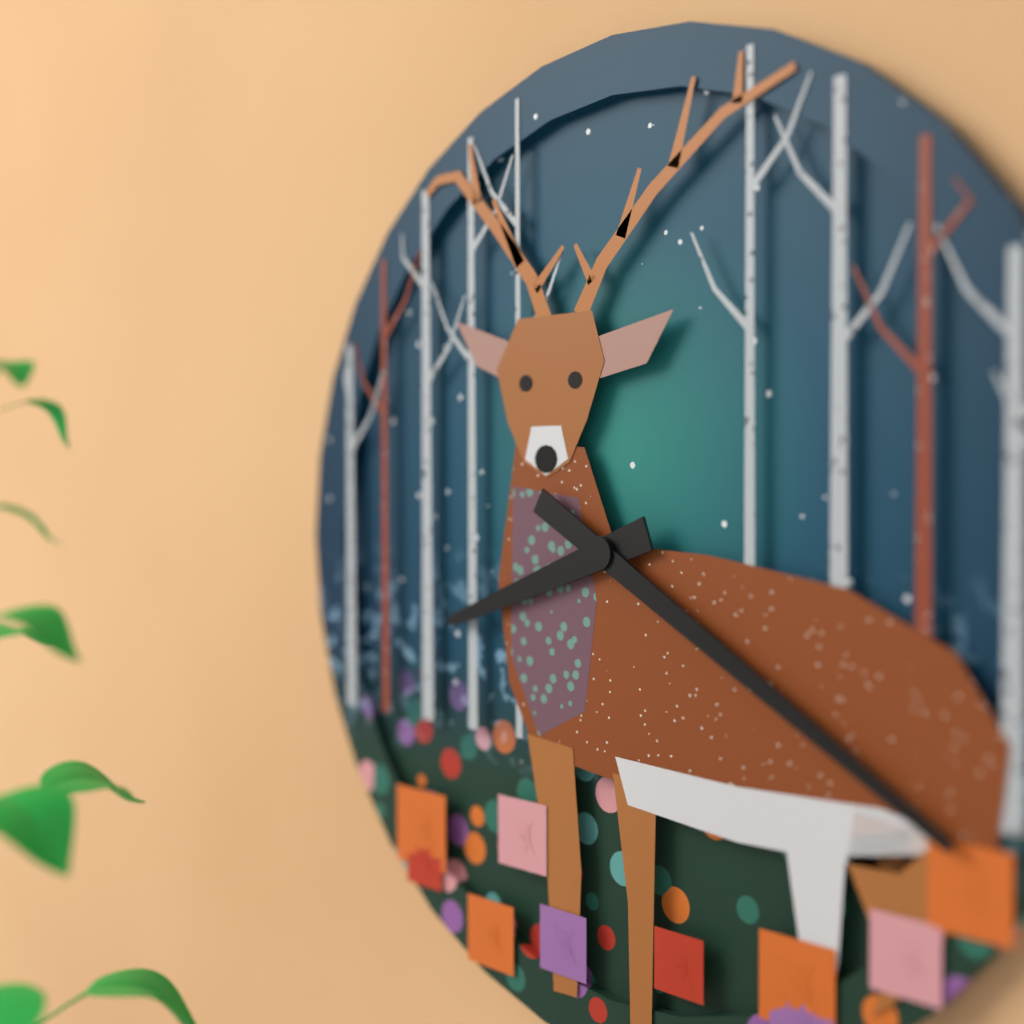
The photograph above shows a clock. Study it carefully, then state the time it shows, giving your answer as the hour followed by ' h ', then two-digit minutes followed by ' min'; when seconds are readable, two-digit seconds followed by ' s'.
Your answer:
8 h 20 min
